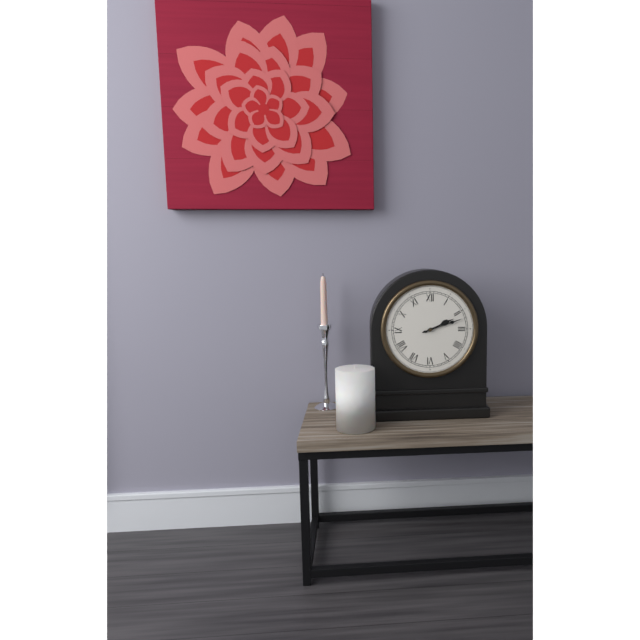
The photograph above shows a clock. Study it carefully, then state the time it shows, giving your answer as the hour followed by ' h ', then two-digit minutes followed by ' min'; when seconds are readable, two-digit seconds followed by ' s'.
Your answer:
2 h 12 min
